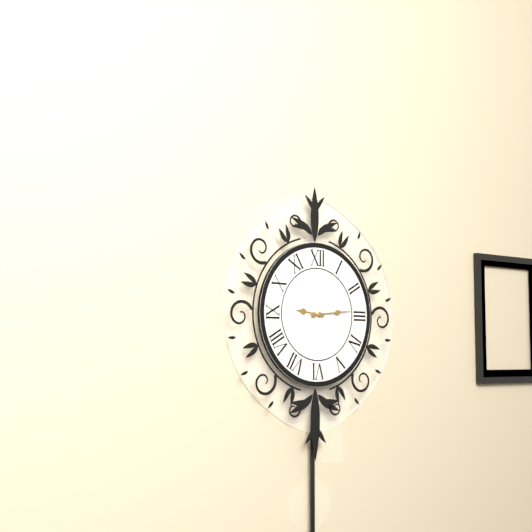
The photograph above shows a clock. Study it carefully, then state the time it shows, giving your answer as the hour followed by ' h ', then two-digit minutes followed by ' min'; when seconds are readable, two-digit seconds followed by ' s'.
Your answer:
9 h 14 min
